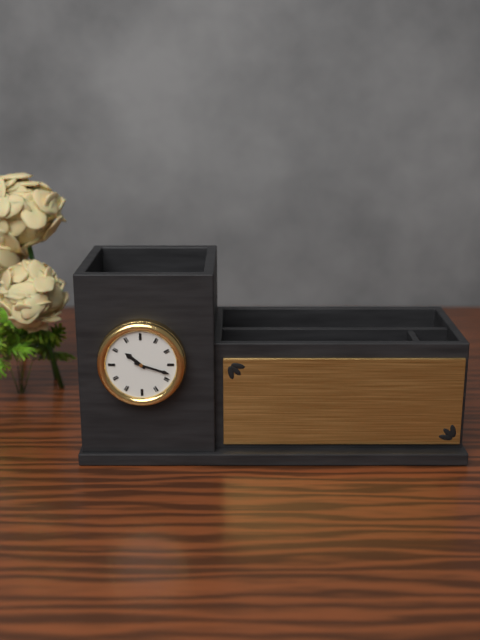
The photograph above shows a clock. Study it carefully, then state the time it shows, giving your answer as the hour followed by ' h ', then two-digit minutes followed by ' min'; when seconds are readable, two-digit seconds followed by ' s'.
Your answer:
10 h 18 min
